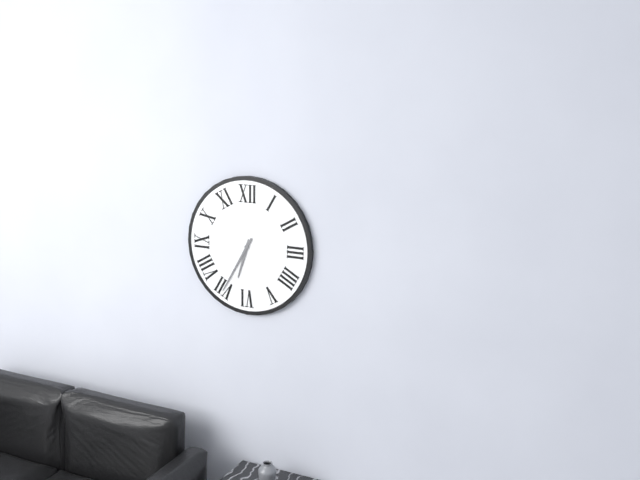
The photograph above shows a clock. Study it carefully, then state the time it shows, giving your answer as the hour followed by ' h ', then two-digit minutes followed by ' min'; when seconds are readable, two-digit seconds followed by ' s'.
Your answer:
6 h 35 min
